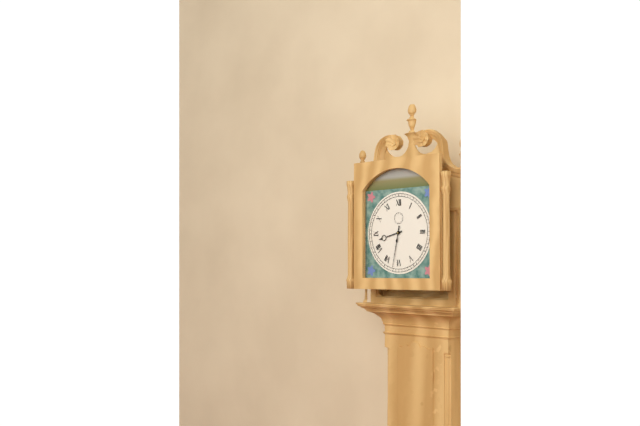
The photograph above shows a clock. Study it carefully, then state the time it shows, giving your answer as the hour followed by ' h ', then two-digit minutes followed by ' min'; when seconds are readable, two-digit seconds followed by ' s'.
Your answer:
8 h 32 min
